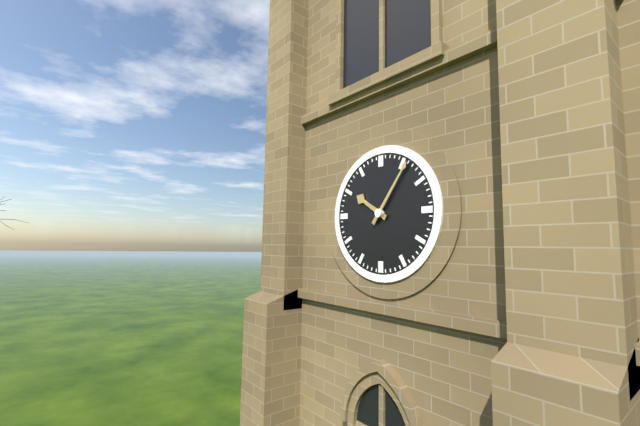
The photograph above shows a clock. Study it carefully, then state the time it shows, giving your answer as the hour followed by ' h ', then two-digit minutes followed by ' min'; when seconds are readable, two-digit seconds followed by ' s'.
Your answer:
10 h 06 min
